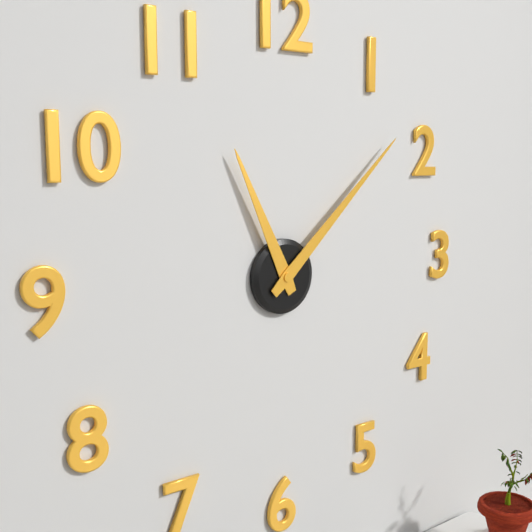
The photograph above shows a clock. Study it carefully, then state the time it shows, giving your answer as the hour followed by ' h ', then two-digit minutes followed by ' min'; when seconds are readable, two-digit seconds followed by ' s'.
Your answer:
11 h 08 min
